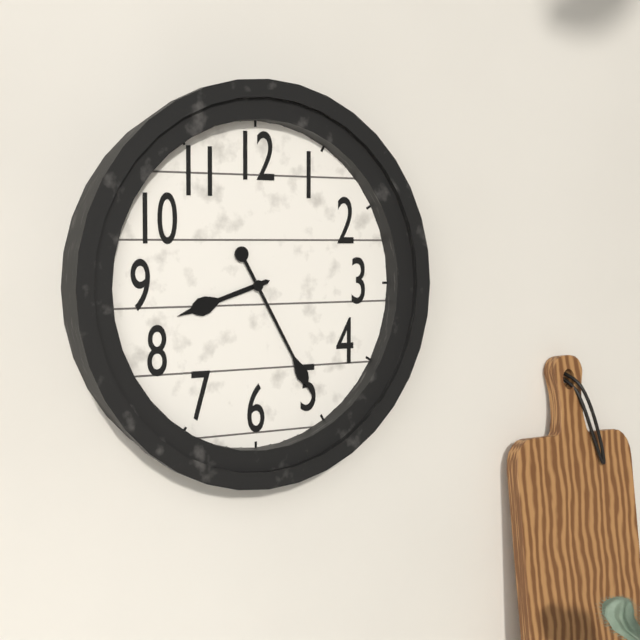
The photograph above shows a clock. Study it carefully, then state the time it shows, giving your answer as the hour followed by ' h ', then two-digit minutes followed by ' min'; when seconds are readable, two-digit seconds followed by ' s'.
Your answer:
8 h 25 min
